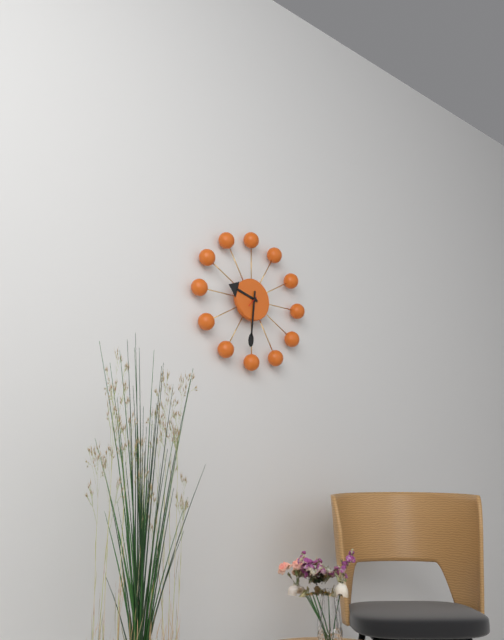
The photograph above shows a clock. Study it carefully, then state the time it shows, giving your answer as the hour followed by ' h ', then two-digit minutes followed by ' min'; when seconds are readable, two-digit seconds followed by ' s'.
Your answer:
9 h 31 min
